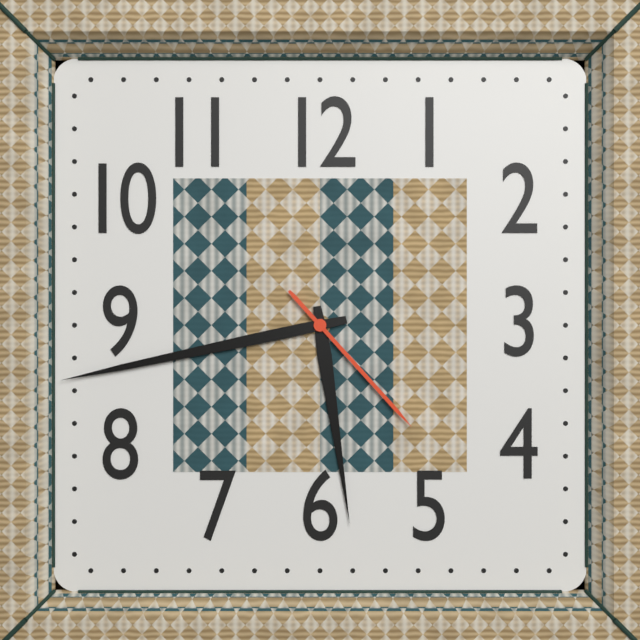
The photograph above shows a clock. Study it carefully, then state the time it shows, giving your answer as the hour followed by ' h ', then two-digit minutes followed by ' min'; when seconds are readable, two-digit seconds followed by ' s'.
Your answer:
5 h 43 min 23 s
